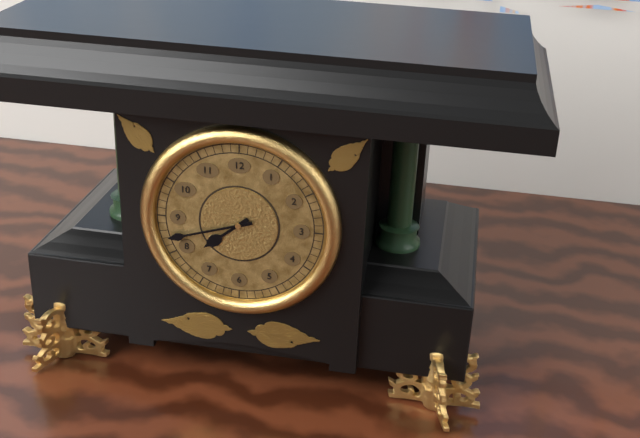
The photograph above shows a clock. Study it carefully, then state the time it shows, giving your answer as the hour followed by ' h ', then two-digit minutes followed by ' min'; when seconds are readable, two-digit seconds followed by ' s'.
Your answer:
7 h 42 min
